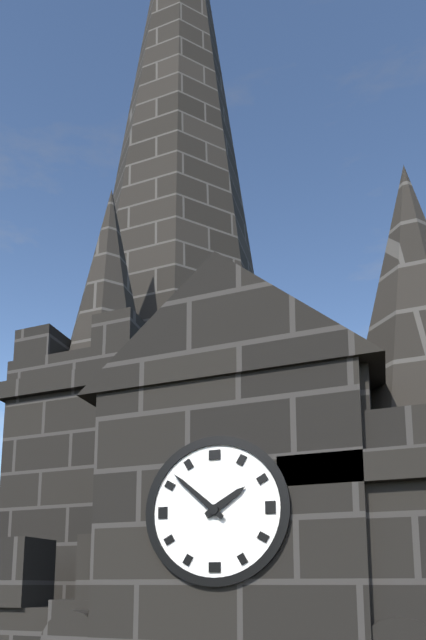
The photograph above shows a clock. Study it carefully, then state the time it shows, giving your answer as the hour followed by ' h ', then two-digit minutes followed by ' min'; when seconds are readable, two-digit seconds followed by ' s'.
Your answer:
1 h 52 min
